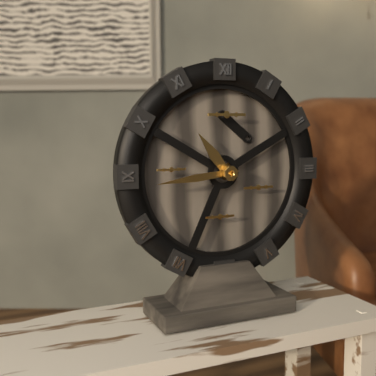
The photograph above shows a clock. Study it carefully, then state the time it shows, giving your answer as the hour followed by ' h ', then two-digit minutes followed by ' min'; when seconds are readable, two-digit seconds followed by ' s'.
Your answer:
10 h 44 min
